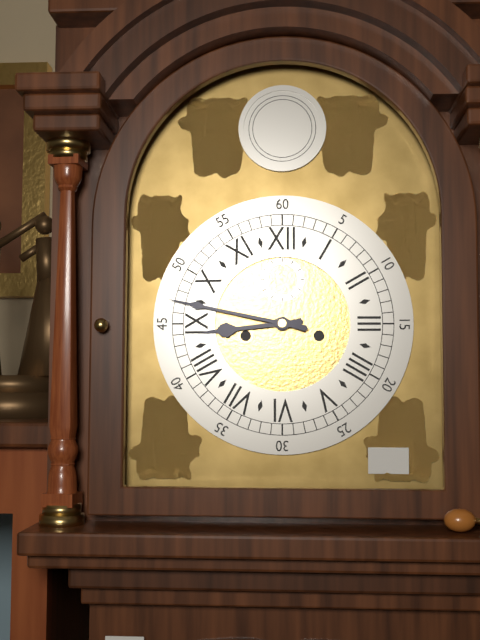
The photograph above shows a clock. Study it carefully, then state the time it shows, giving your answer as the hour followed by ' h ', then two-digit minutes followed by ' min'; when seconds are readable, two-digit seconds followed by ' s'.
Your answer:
8 h 47 min
